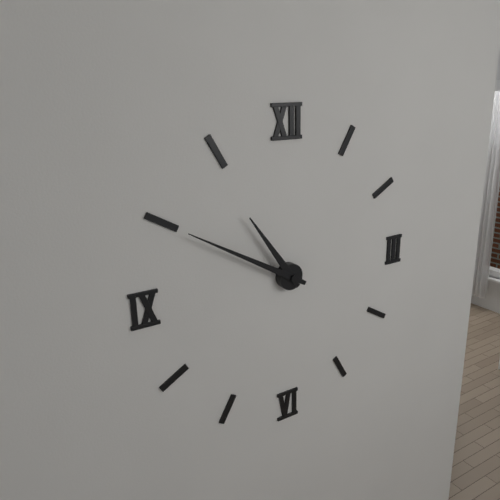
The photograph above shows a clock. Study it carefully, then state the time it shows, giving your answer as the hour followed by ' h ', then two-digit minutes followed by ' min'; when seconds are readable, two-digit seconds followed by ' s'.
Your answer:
10 h 50 min
